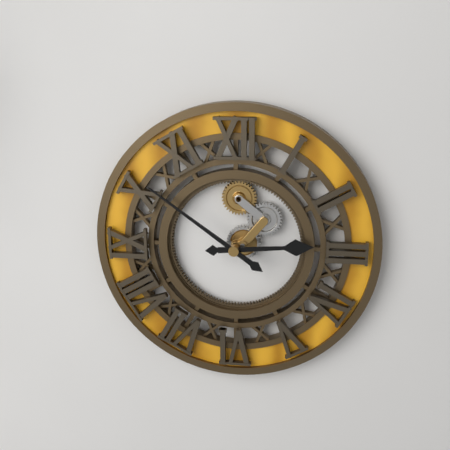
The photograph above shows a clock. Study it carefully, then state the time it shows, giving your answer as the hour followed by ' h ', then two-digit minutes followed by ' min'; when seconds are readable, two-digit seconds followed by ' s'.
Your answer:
2 h 51 min
